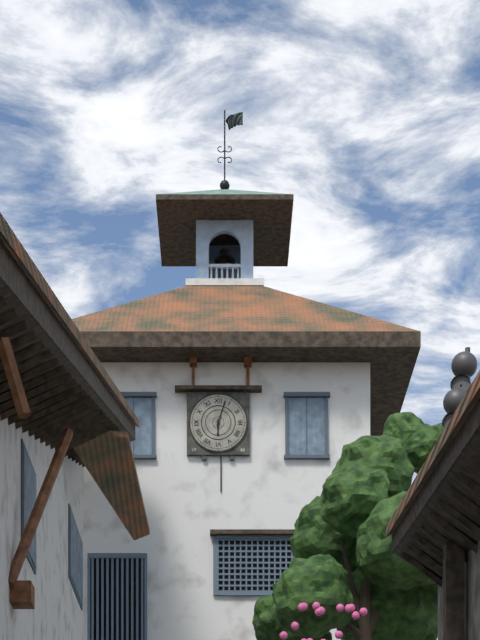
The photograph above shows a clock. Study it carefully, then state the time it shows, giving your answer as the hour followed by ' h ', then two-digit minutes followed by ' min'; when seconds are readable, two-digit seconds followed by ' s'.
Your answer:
6 h 03 min
